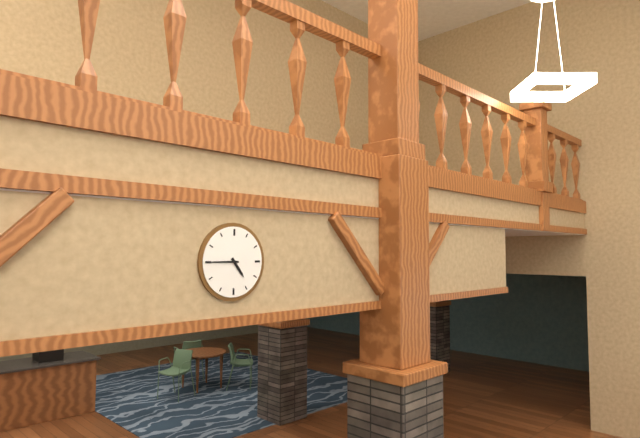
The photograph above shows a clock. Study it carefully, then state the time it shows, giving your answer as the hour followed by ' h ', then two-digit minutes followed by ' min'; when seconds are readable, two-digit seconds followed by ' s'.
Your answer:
4 h 45 min
